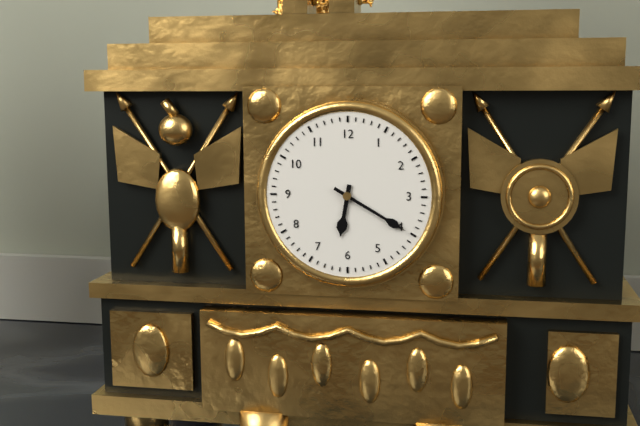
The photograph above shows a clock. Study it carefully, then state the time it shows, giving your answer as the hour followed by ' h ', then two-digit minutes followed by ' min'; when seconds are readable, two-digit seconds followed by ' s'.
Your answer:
6 h 20 min
